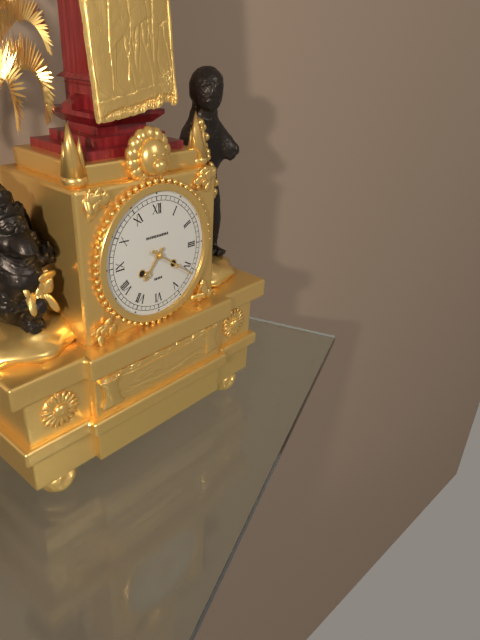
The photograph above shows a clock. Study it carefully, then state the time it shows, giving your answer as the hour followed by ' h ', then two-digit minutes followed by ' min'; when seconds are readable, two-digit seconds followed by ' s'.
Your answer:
7 h 21 min
